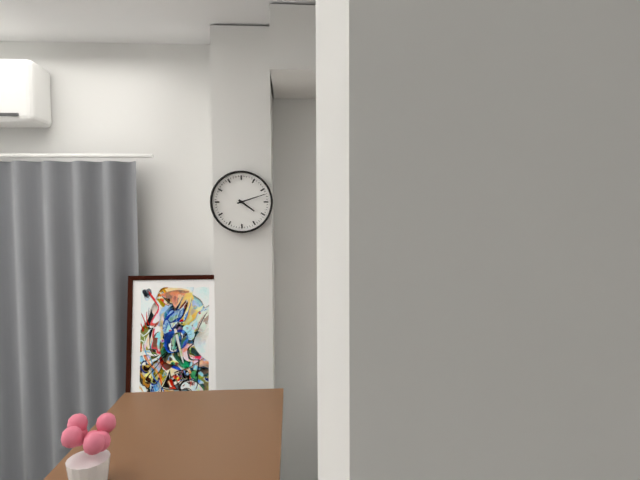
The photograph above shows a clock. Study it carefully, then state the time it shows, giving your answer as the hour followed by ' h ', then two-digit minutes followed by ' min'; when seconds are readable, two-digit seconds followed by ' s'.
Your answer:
4 h 12 min
